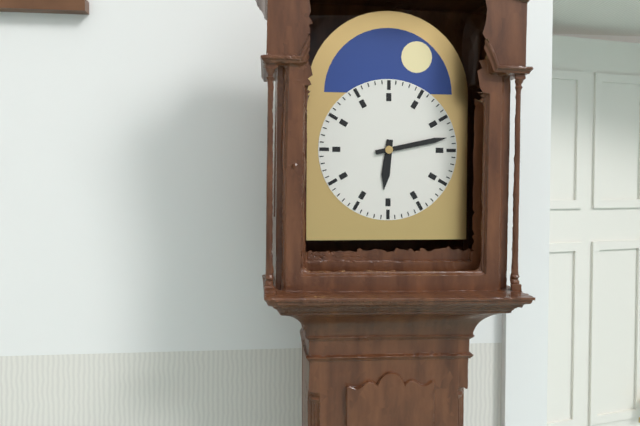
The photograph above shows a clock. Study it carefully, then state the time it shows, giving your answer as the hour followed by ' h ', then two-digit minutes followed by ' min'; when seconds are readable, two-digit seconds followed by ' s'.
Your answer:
6 h 13 min
